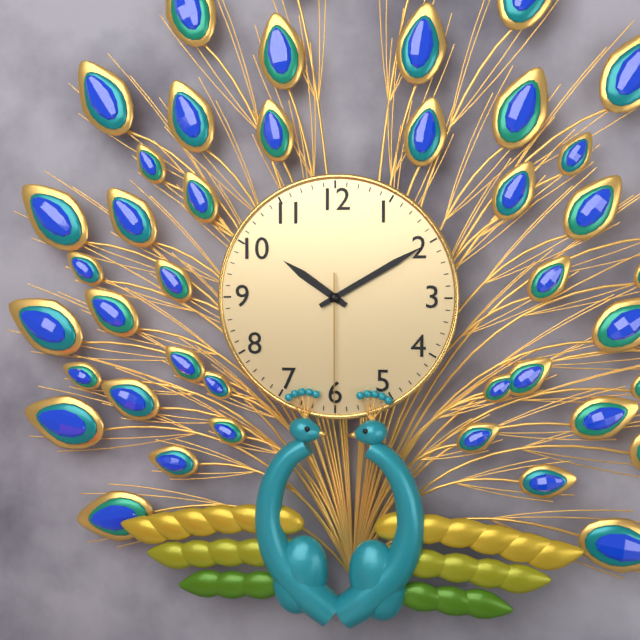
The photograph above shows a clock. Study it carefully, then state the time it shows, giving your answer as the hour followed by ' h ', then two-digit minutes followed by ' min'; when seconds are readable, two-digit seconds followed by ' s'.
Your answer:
10 h 10 min 30 s
